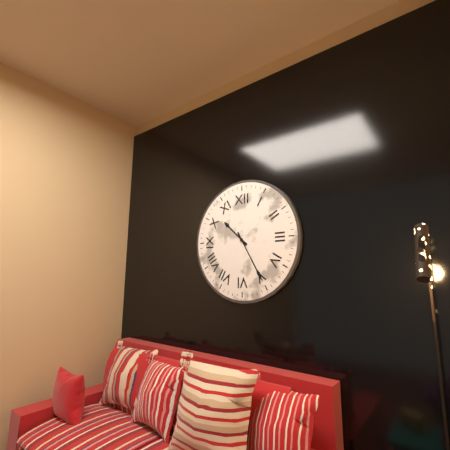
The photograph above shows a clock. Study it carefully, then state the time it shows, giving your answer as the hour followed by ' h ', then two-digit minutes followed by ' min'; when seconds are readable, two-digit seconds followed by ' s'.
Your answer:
10 h 25 min
